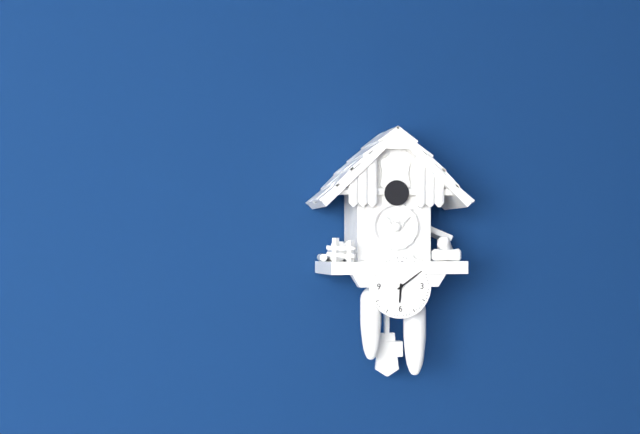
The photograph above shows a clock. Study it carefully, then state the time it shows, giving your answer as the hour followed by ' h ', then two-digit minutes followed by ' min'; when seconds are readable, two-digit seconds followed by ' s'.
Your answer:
6 h 09 min
